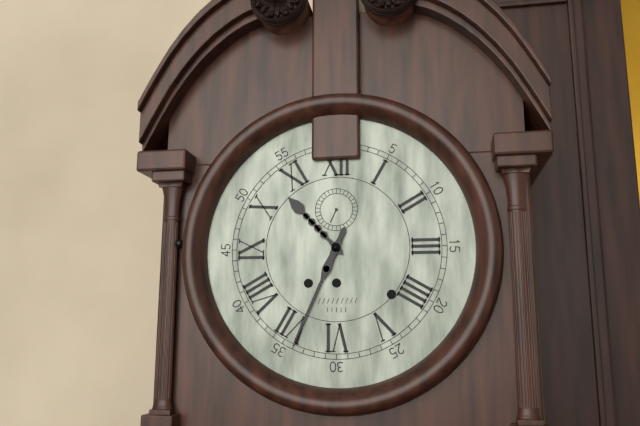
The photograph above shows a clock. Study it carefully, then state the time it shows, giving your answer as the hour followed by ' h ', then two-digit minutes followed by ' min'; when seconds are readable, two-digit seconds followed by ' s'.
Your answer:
10 h 34 min
